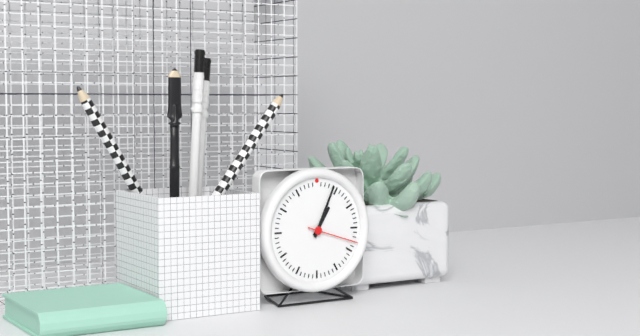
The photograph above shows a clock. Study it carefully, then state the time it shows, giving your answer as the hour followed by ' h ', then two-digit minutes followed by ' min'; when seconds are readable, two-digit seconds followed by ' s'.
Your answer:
1 h 04 min 18 s
